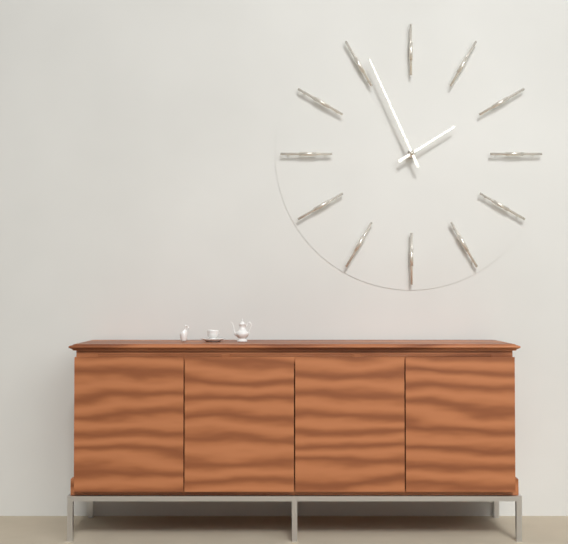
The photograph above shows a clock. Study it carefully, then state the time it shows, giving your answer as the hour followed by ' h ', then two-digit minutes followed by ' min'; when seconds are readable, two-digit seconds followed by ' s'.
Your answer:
1 h 56 min
